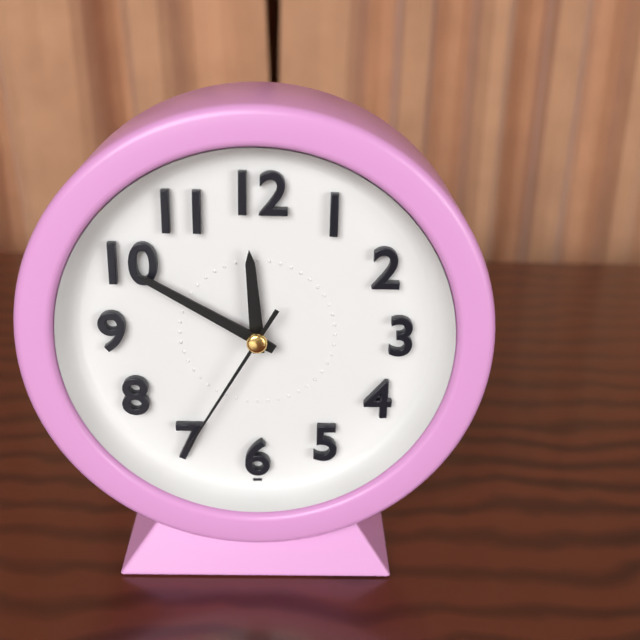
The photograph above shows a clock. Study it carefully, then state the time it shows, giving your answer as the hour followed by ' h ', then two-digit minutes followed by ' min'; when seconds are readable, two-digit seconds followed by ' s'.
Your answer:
11 h 50 min 35 s
